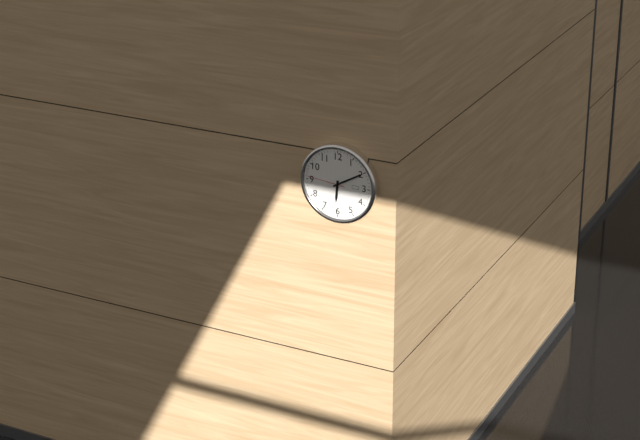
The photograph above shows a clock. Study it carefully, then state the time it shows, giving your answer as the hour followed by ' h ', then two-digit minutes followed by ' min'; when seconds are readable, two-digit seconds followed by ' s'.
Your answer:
6 h 10 min
